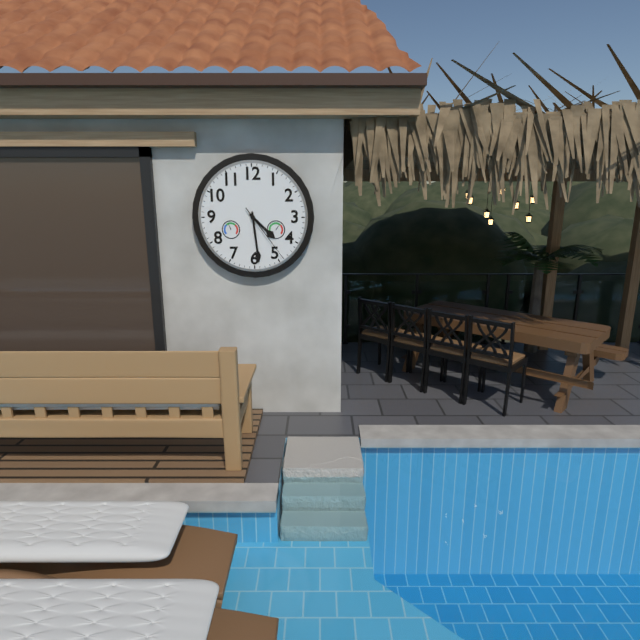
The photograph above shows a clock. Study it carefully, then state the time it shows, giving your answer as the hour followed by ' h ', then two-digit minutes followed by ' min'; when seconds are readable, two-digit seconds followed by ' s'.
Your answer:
4 h 29 min 24 s
